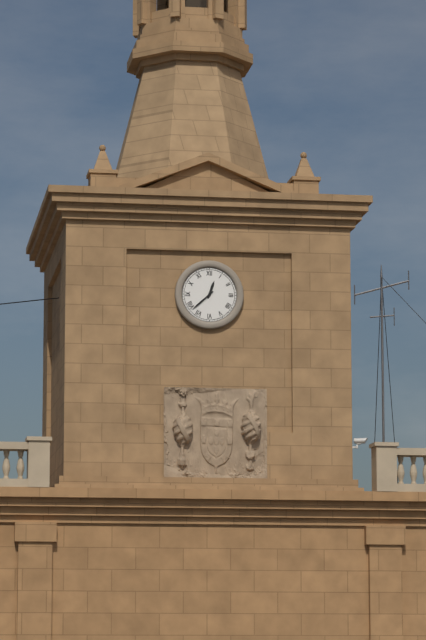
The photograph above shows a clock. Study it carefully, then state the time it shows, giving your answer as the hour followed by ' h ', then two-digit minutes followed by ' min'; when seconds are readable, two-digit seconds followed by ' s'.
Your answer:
12 h 38 min
